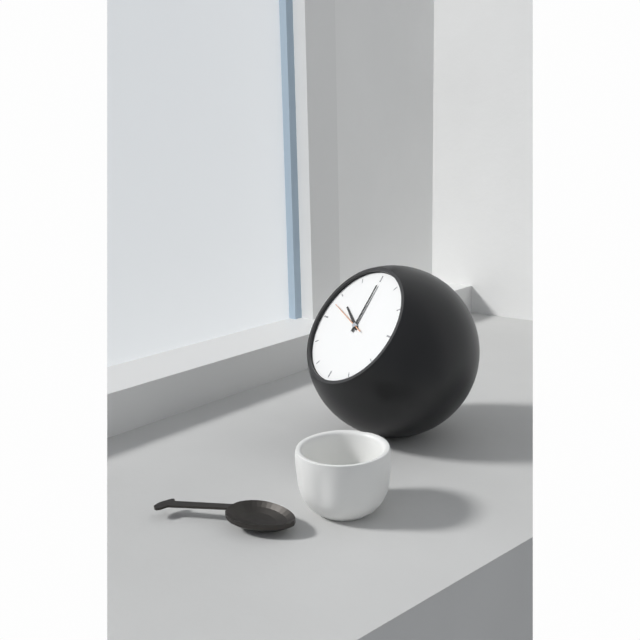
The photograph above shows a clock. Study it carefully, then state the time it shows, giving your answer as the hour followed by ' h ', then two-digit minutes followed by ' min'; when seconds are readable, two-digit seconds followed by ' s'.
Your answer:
10 h 00 min 48 s
